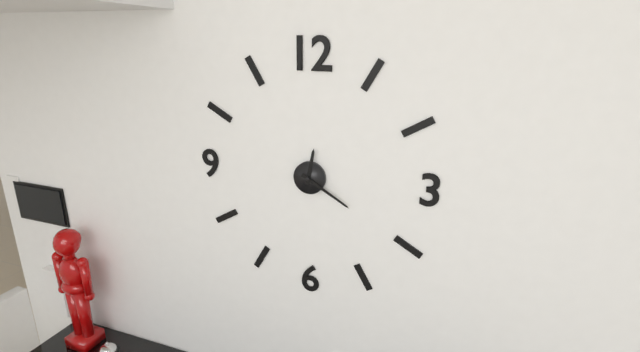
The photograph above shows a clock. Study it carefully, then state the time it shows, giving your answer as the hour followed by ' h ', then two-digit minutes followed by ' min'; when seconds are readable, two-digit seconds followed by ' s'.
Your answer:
12 h 20 min
